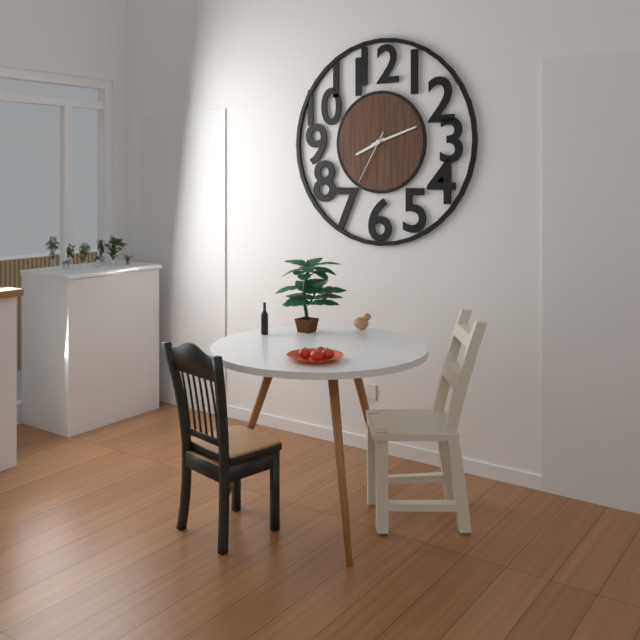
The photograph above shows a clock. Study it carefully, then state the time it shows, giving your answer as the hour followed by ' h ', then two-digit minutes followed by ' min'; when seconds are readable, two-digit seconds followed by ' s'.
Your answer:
8 h 12 min 35 s
